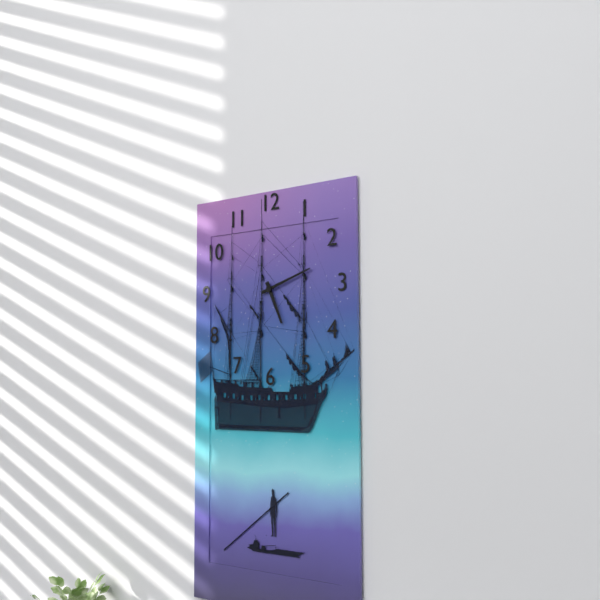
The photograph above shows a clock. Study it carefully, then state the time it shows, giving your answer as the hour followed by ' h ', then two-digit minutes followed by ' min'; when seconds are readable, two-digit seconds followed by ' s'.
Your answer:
5 h 12 min
